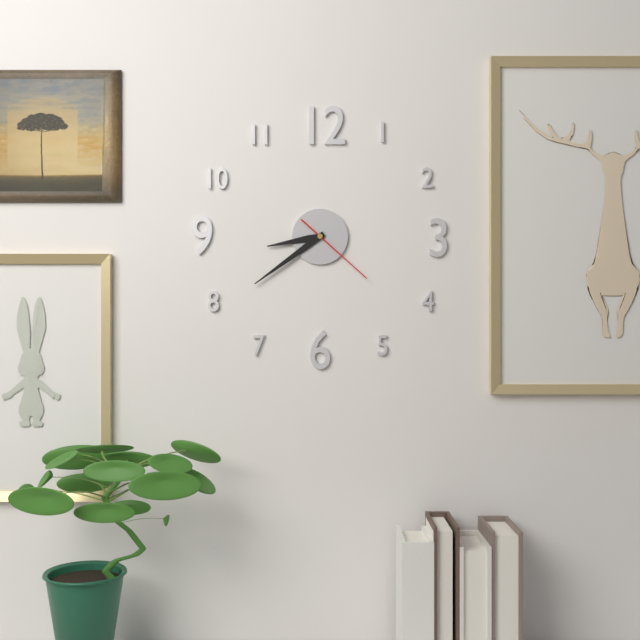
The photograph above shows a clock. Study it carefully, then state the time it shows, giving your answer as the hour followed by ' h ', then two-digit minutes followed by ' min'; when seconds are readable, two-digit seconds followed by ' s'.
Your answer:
8 h 39 min 22 s
